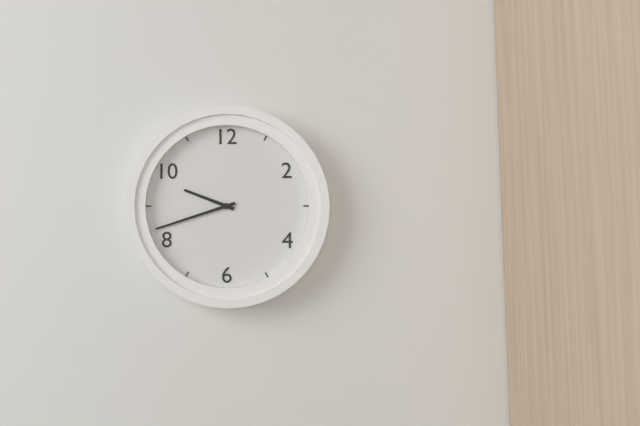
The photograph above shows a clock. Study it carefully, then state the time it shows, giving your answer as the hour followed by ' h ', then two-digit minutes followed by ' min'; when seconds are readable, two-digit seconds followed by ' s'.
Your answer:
9 h 42 min
